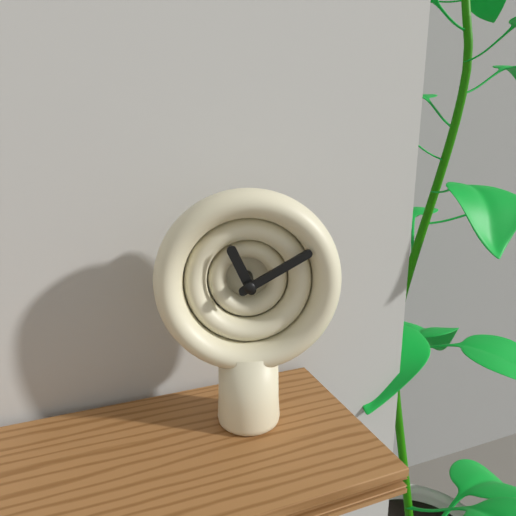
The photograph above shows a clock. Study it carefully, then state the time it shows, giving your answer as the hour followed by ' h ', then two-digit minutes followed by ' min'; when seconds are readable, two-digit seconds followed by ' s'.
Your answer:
11 h 10 min
